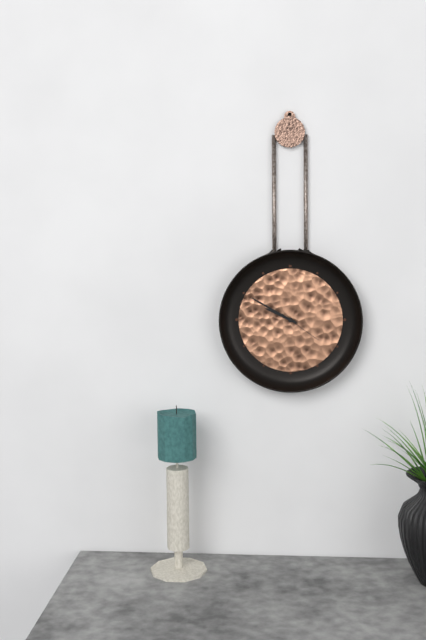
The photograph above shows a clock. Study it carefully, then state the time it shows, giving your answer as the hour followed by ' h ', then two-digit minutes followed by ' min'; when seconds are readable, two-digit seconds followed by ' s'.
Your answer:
9 h 50 min
